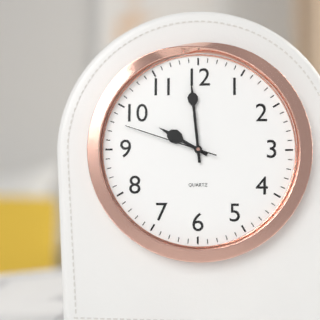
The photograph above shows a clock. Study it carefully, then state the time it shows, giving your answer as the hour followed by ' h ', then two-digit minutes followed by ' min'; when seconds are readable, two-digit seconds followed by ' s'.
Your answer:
9 h 59 min 48 s
